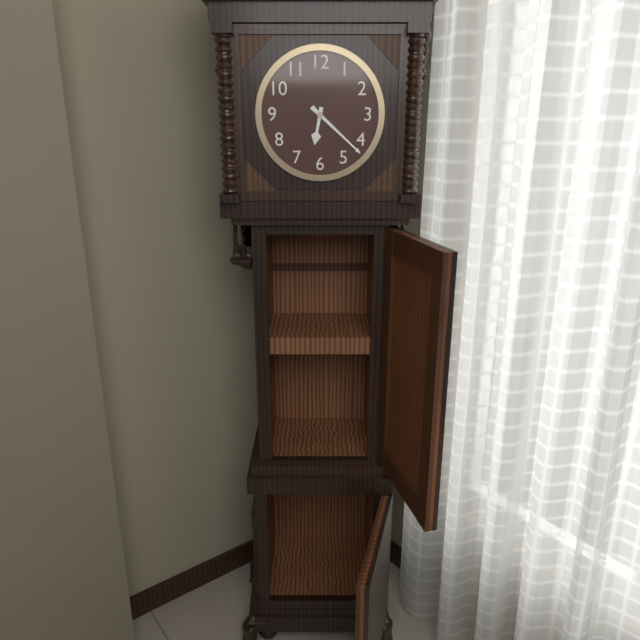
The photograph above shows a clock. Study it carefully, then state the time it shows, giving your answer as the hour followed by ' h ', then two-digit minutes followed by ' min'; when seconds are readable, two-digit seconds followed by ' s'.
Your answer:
6 h 22 min
